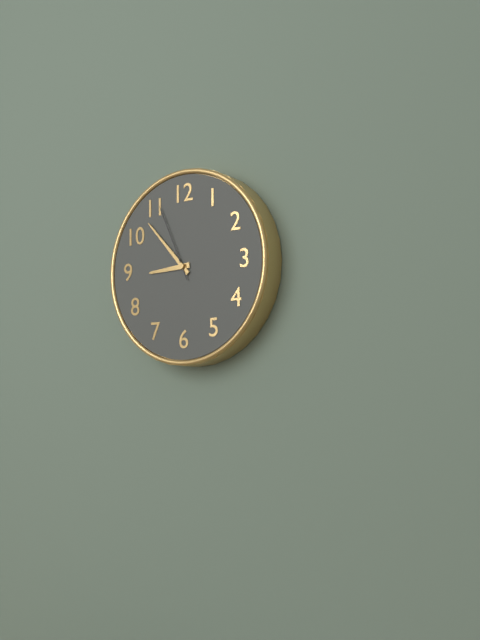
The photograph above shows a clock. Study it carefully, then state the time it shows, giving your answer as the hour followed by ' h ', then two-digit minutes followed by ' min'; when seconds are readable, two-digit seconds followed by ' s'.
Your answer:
8 h 53 min 56 s
